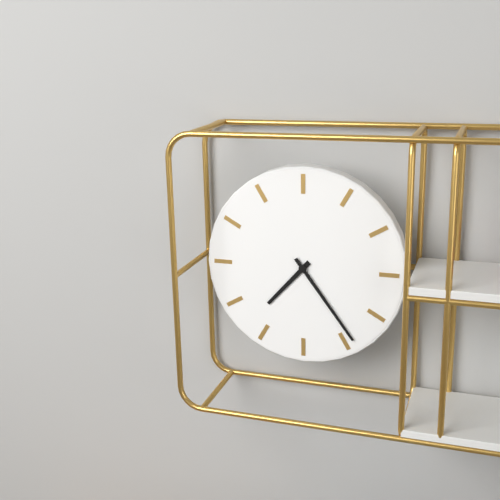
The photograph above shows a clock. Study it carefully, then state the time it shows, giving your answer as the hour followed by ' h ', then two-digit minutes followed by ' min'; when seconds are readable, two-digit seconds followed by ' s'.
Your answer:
7 h 24 min
